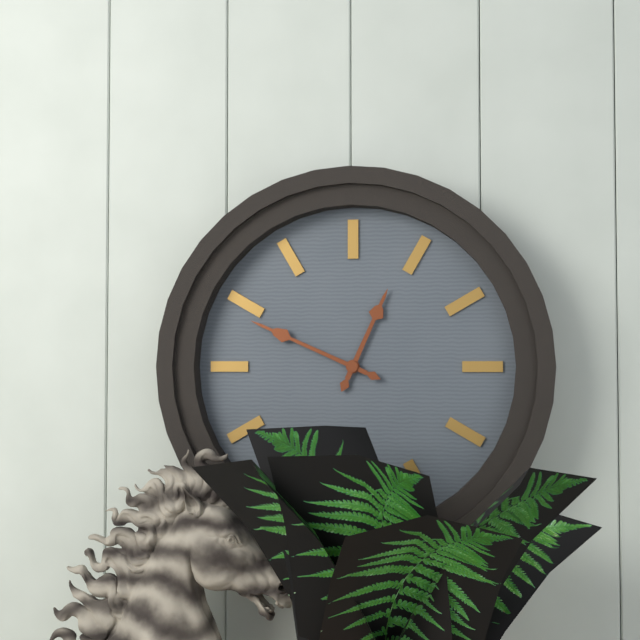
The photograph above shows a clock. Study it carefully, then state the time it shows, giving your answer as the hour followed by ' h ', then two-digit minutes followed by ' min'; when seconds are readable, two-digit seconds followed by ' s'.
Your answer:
12 h 49 min
